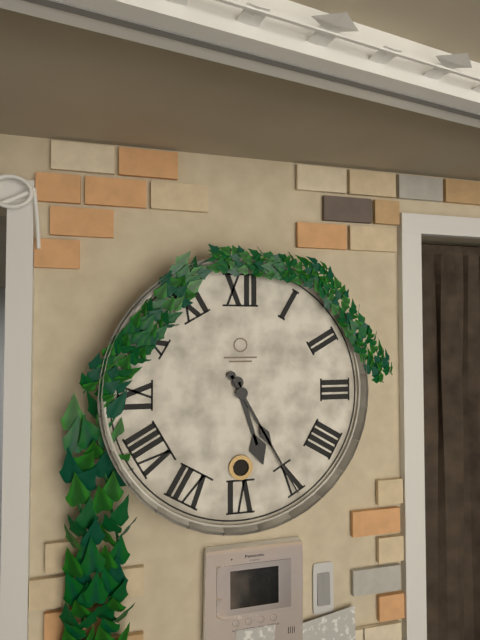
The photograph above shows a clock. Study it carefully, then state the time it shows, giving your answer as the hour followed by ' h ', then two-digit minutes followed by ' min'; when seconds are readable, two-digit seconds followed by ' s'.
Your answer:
5 h 25 min
